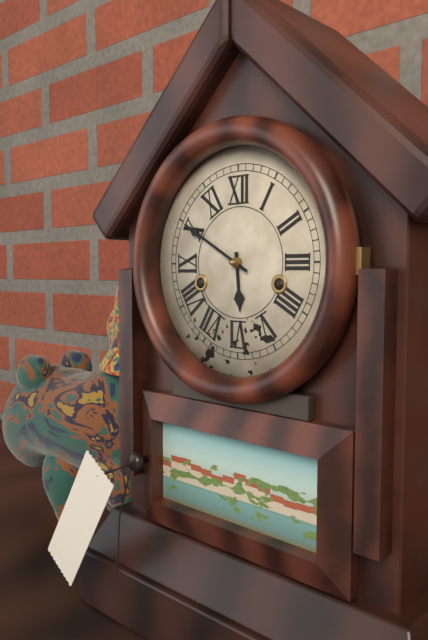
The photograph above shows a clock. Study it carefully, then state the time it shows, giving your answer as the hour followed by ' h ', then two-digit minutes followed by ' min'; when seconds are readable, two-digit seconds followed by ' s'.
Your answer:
5 h 50 min
